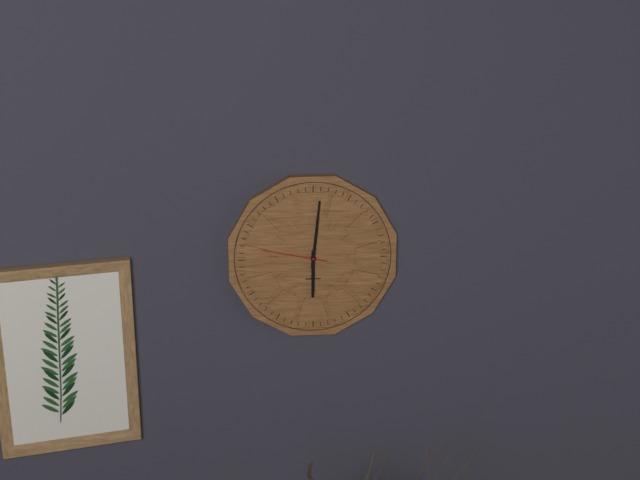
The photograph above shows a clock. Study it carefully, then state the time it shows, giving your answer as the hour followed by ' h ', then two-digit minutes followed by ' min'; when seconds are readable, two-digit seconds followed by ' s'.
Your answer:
6 h 01 min 47 s
